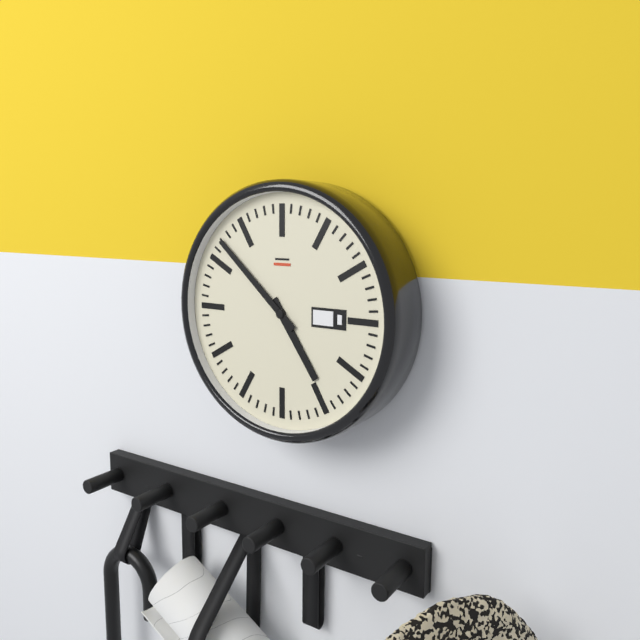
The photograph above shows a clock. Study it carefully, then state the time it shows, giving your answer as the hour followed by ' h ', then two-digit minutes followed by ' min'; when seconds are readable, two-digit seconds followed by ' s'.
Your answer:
4 h 52 min
